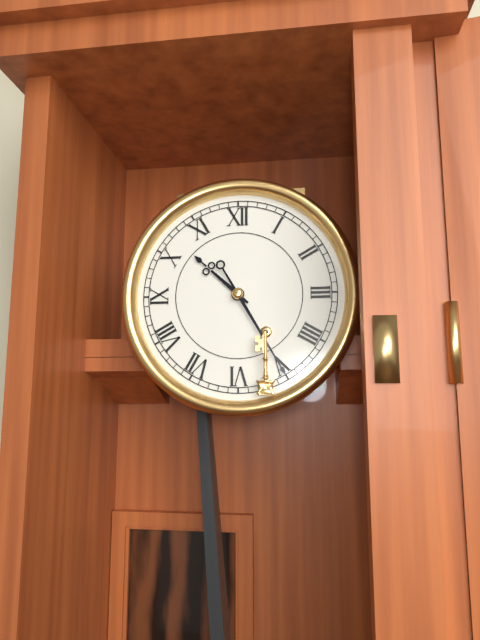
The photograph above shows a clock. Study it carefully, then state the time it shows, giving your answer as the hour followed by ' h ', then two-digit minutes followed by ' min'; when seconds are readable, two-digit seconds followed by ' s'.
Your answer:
10 h 25 min
